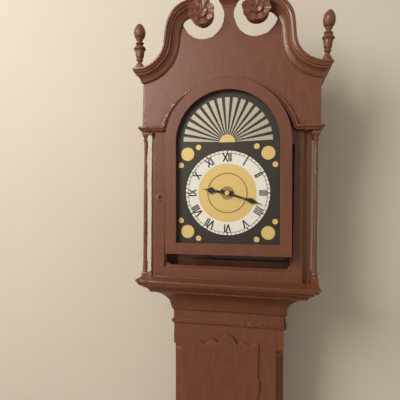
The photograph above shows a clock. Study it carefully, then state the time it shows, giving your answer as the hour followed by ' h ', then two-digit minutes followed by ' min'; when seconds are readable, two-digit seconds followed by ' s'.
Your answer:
9 h 18 min
